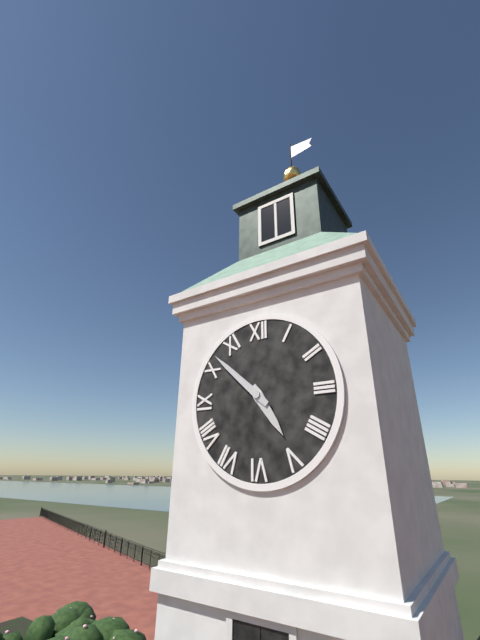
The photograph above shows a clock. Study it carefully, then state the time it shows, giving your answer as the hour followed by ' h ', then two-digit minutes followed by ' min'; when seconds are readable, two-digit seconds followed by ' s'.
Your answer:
4 h 52 min
